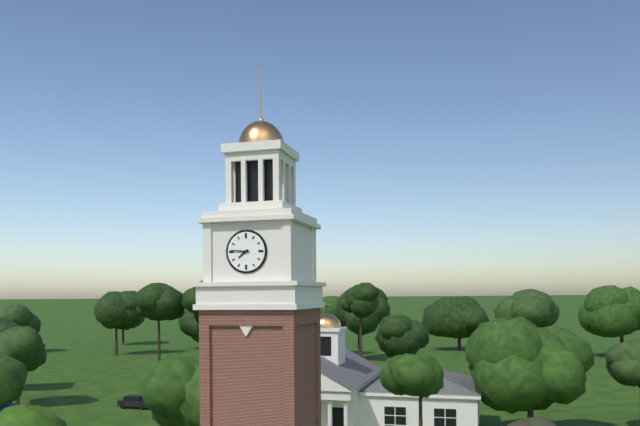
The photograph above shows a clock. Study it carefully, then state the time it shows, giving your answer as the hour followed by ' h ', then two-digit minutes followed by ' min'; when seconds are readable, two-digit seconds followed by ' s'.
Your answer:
7 h 46 min
